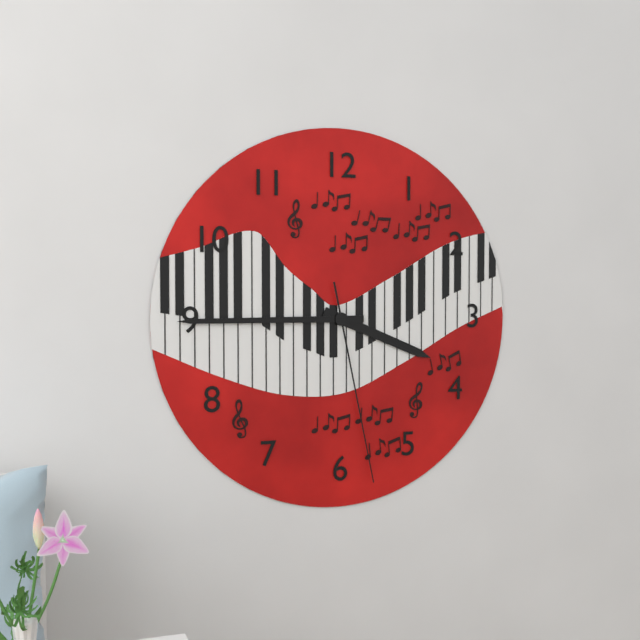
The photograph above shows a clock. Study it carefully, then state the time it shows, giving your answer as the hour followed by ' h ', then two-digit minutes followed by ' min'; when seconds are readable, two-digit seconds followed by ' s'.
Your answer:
3 h 45 min 28 s
